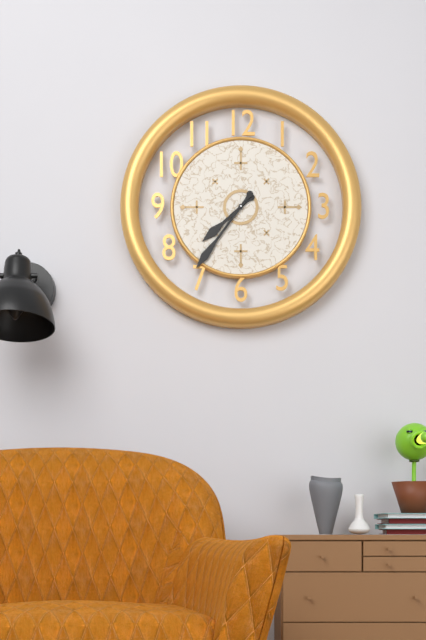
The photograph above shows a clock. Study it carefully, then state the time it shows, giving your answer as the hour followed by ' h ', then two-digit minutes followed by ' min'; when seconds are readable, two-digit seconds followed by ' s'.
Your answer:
7 h 36 min
